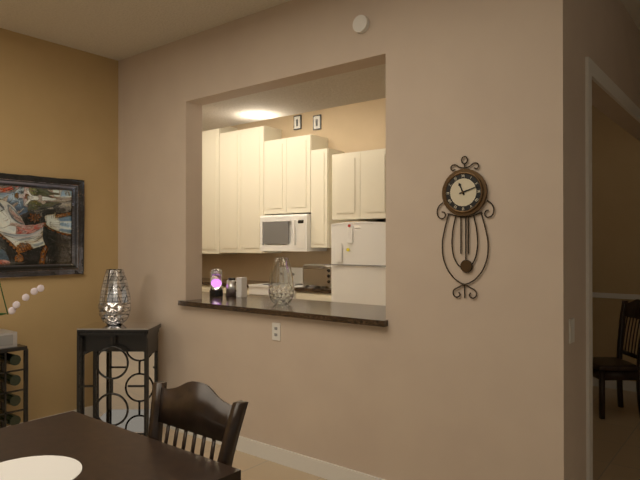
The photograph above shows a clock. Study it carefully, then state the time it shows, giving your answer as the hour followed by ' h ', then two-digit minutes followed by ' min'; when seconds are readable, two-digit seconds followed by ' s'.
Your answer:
11 h 12 min
